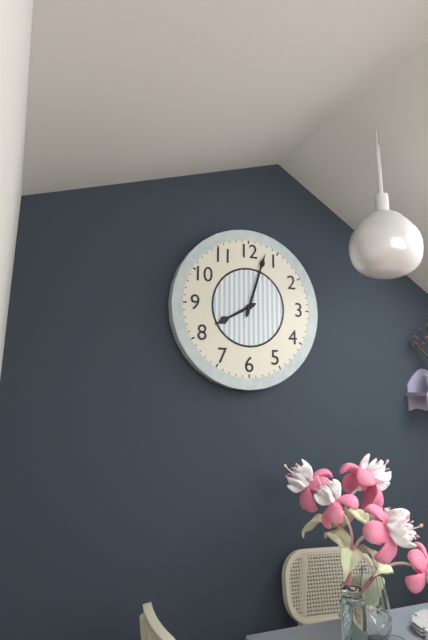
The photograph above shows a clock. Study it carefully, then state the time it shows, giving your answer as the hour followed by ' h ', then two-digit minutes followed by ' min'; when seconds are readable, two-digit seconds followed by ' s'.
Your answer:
8 h 03 min
